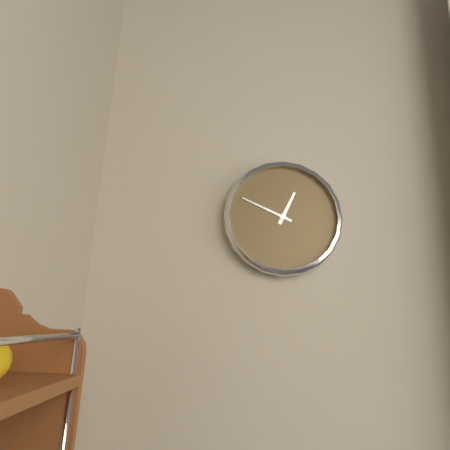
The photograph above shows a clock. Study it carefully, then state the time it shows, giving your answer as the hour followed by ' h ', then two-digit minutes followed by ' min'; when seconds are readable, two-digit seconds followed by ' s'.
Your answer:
12 h 49 min
